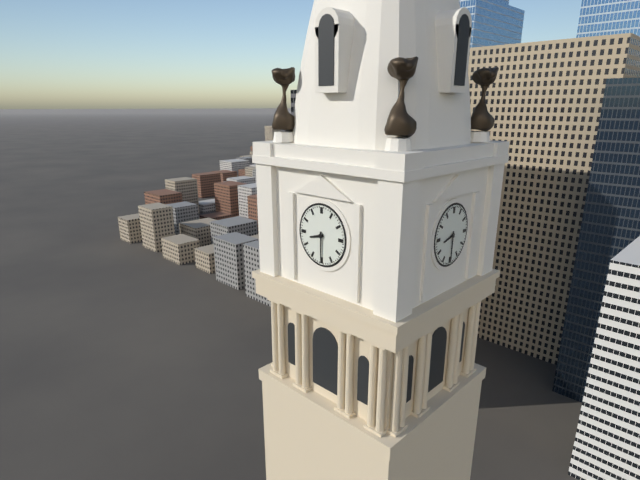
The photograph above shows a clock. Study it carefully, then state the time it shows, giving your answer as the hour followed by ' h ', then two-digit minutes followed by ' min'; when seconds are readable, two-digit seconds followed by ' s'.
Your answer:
8 h 30 min
